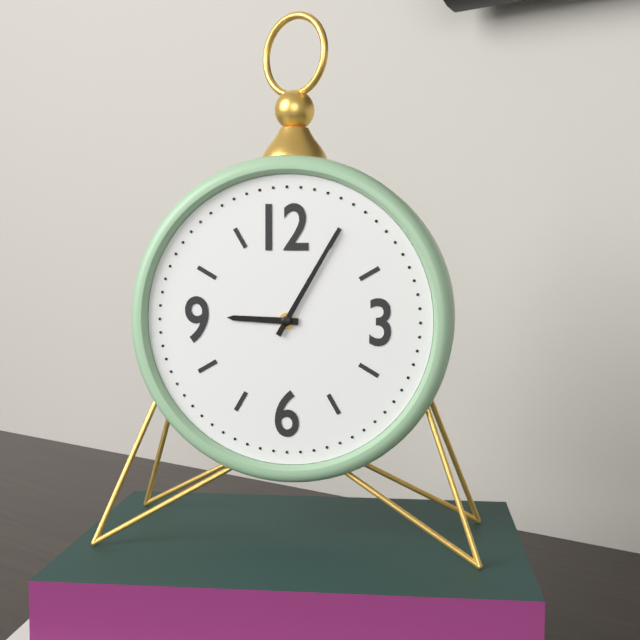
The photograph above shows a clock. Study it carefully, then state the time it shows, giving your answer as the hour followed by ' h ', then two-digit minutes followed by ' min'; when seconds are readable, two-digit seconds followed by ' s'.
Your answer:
9 h 05 min
